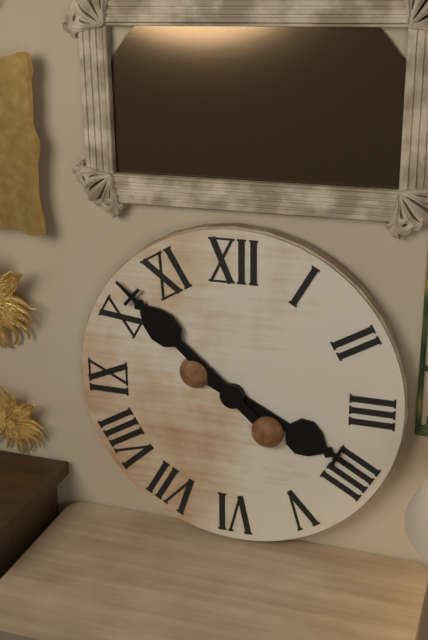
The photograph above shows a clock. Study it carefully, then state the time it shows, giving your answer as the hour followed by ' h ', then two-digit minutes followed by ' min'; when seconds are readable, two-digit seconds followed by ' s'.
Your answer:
3 h 52 min
